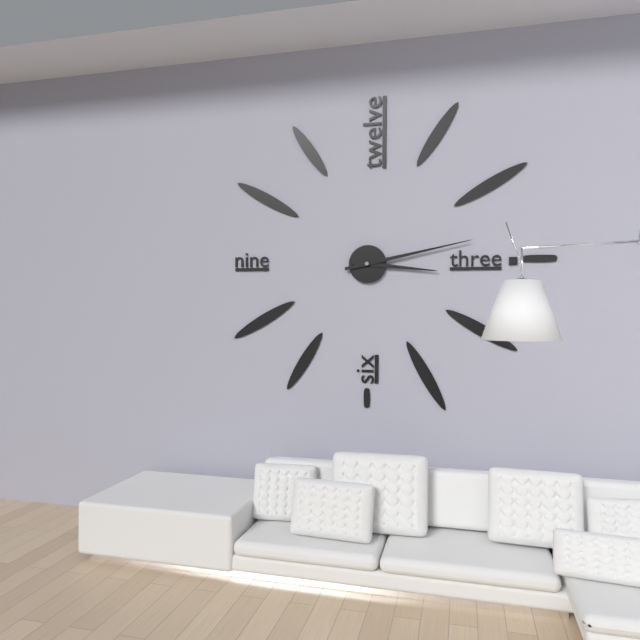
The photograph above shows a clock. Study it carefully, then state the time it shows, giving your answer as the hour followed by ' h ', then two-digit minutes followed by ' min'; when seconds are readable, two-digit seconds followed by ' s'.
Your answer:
3 h 13 min
